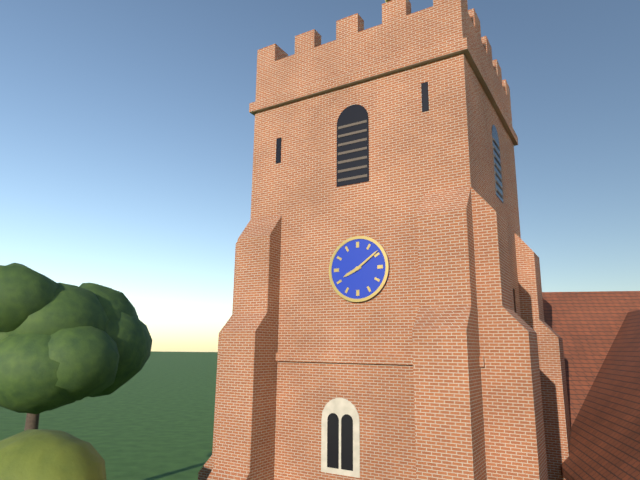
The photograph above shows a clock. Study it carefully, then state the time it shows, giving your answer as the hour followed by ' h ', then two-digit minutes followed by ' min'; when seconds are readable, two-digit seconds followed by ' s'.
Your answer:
8 h 09 min
